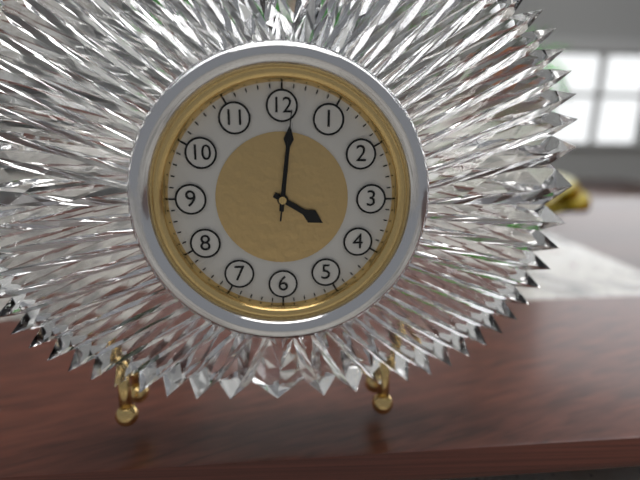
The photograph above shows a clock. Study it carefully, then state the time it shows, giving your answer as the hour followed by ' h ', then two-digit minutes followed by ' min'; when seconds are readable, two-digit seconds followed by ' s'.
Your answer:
4 h 01 min 01 s
